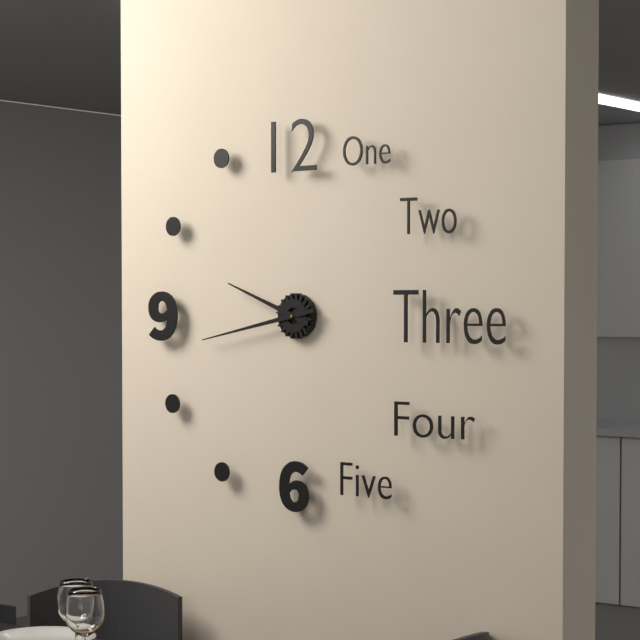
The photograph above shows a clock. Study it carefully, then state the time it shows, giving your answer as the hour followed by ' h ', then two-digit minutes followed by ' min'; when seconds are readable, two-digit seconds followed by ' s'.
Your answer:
9 h 43 min
